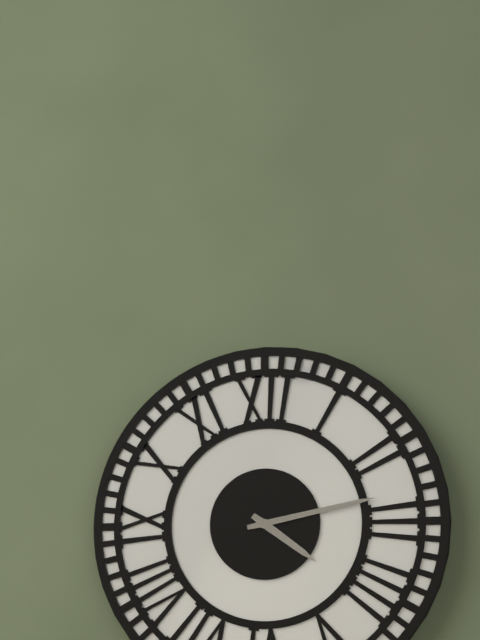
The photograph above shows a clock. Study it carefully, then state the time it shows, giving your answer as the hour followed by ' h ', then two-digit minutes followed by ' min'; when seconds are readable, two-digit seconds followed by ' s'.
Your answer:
4 h 13 min
